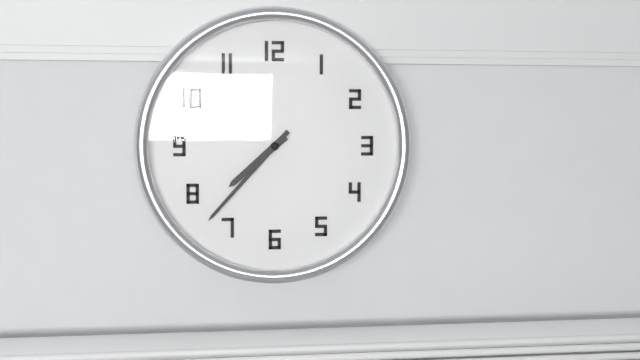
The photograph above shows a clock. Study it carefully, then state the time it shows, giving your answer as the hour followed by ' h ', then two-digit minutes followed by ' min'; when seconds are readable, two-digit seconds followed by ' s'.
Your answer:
7 h 37 min
